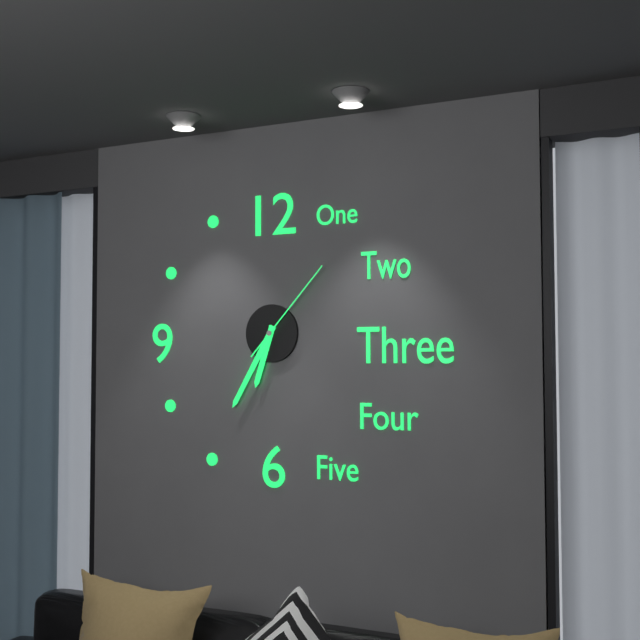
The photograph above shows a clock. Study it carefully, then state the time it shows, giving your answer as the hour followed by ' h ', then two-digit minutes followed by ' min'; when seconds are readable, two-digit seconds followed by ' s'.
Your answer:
6 h 35 min 07 s
